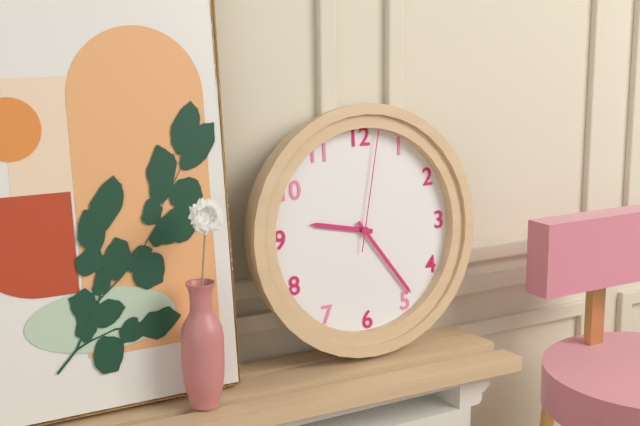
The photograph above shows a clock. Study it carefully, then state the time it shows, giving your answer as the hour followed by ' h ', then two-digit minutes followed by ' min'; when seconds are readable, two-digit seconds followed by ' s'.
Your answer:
9 h 24 min 02 s
